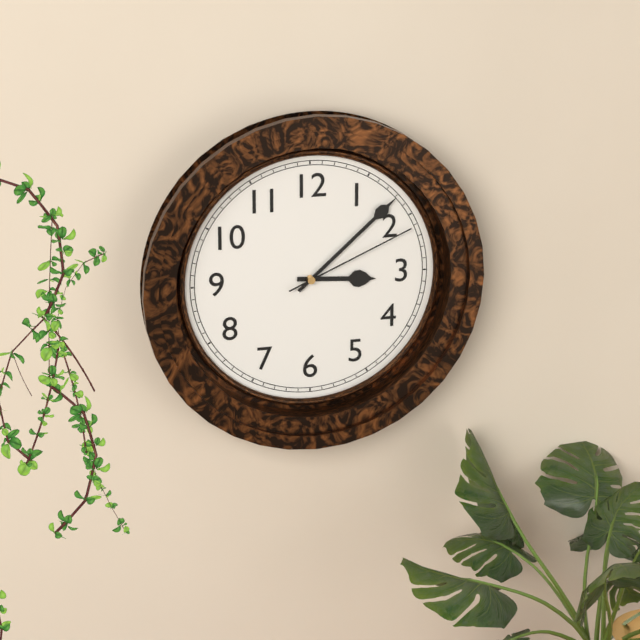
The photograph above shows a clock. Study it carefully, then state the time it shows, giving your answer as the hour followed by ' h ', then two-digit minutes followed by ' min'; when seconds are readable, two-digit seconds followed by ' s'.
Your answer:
3 h 08 min 11 s
